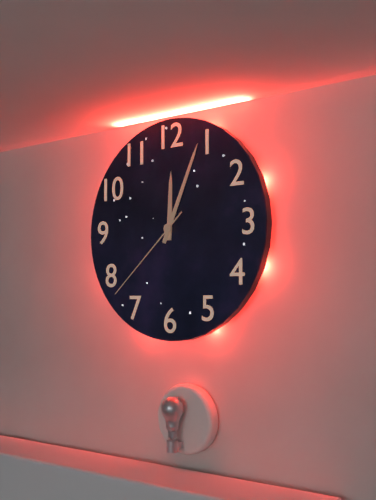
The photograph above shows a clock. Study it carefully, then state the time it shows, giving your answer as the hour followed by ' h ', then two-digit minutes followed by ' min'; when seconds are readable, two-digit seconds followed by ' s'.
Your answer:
12 h 04 min 38 s
